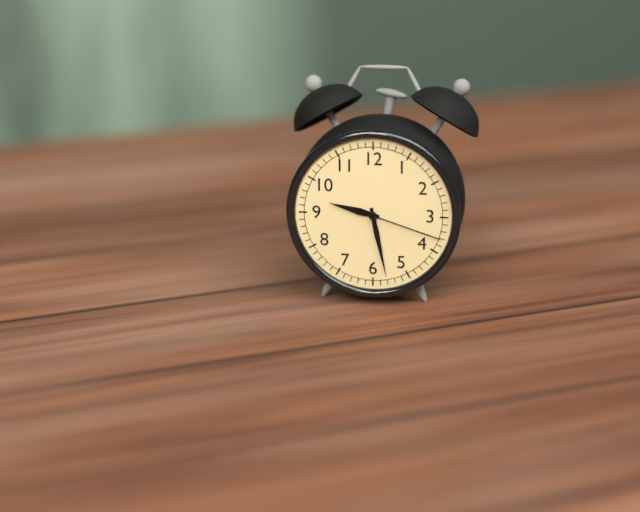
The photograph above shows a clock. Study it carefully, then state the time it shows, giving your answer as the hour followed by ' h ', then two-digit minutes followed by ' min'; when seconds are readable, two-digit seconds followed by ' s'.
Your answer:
9 h 28 min 18 s
